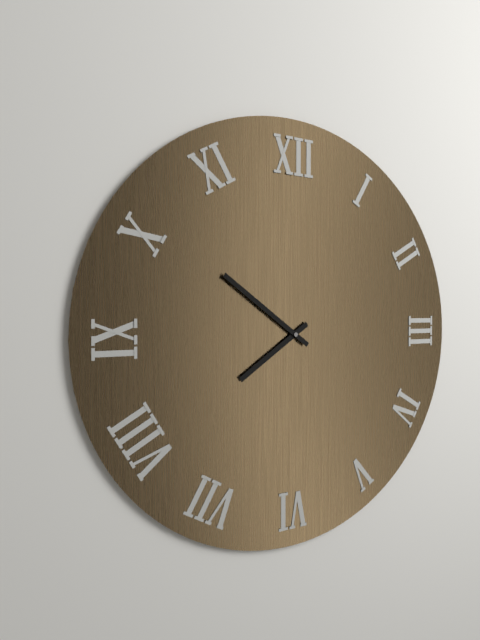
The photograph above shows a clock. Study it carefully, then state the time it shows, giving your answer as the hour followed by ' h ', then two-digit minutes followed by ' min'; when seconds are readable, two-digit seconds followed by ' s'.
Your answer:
7 h 51 min
